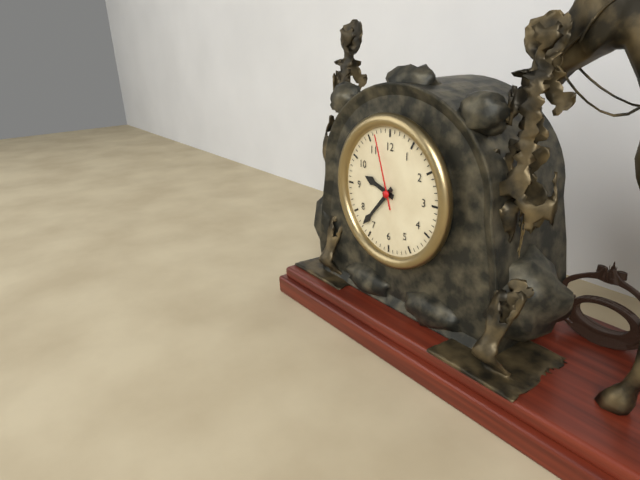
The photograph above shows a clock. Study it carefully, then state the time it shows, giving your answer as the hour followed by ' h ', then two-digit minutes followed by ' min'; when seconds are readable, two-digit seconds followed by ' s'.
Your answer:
9 h 37 min 57 s
